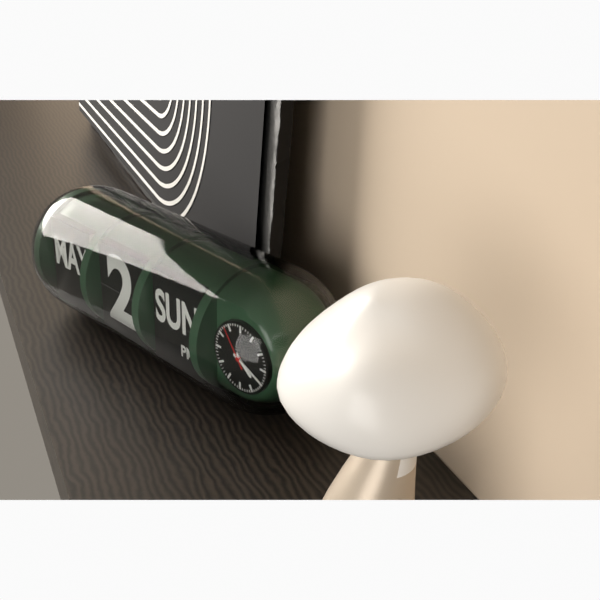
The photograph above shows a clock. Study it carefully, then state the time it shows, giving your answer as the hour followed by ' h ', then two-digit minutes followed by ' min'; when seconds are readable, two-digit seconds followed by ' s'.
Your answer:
4 h 19 min
